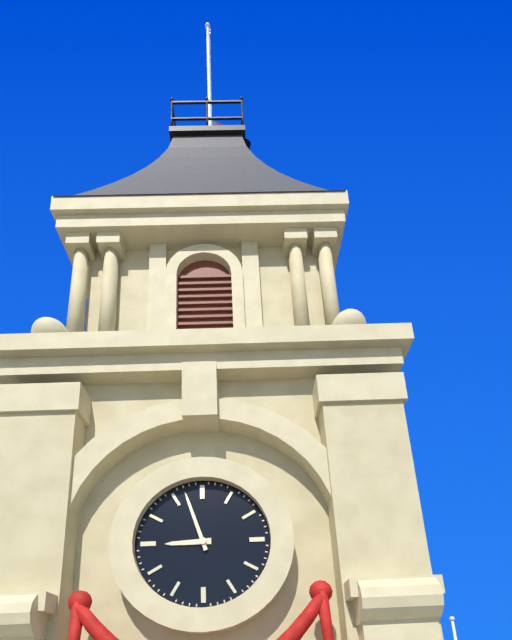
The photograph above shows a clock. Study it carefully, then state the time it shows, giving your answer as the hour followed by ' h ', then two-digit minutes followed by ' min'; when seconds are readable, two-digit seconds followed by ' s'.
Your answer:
8 h 57 min
